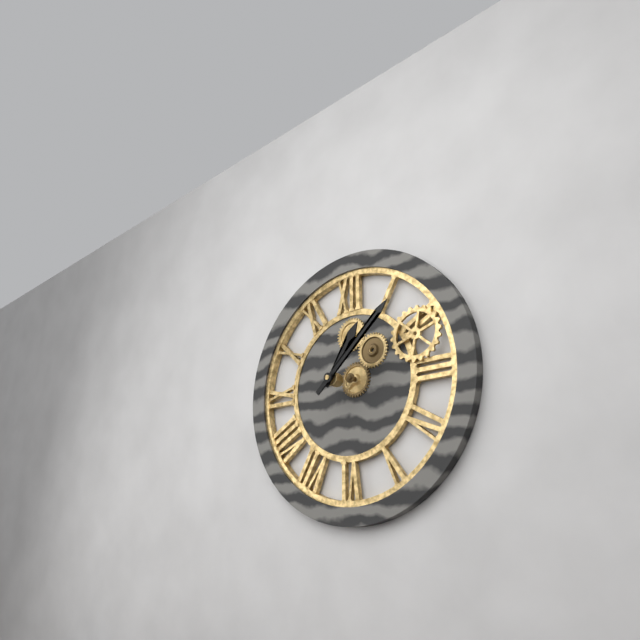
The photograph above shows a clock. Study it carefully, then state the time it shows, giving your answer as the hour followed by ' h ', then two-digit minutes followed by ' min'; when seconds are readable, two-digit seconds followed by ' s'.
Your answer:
1 h 08 min
